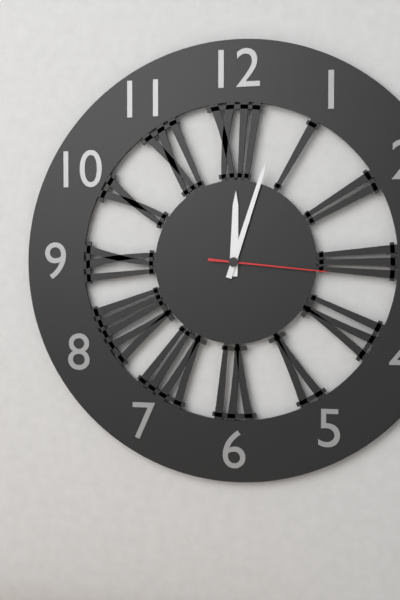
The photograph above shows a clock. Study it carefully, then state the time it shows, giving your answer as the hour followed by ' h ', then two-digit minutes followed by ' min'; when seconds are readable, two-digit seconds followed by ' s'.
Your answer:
12 h 03 min 16 s
